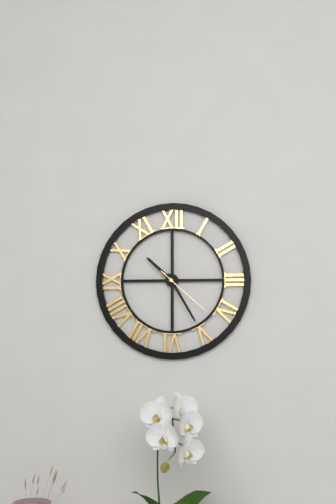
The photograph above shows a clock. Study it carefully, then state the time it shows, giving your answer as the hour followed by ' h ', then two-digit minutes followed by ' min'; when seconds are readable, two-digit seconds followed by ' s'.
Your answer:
10 h 25 min 22 s
